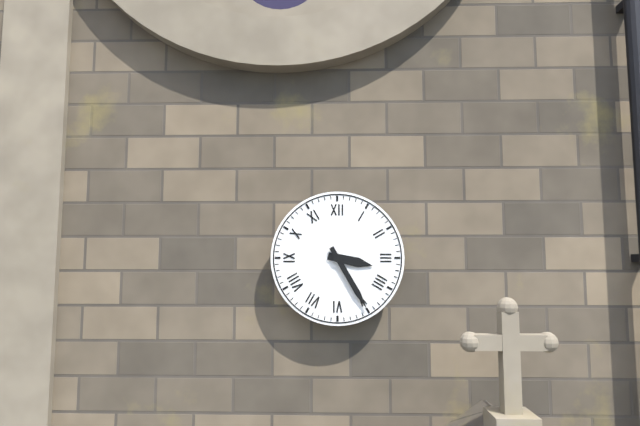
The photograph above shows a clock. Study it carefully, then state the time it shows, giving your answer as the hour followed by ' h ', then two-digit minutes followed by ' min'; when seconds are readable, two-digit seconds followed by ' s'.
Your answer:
3 h 25 min
